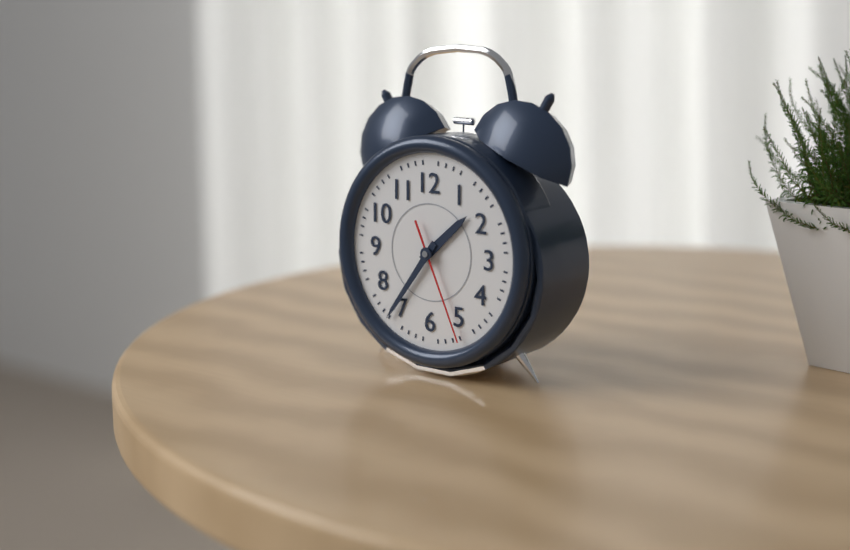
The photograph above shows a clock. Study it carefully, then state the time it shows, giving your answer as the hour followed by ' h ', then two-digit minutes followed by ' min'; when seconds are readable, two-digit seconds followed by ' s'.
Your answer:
1 h 36 min 26 s
